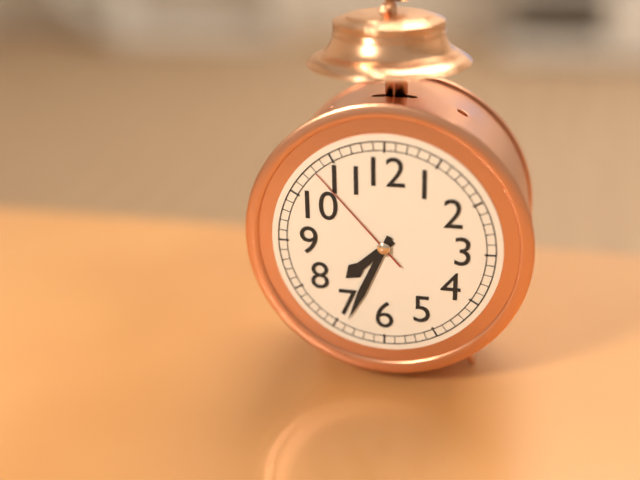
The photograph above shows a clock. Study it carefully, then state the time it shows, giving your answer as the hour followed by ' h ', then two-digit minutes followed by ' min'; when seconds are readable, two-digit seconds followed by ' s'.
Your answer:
7 h 34 min 53 s
